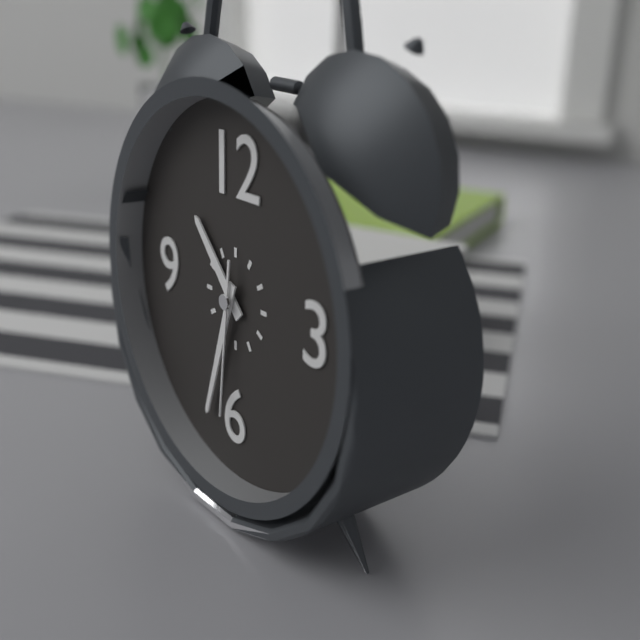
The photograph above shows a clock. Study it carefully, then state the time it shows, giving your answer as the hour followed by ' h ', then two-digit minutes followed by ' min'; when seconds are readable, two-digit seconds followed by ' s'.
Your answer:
10 h 33 min 31 s
